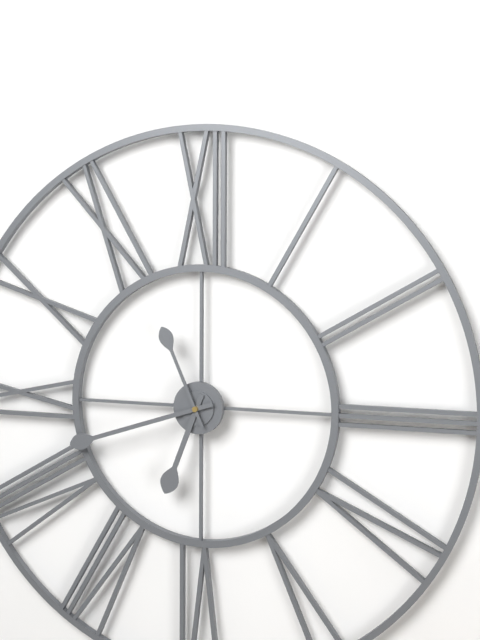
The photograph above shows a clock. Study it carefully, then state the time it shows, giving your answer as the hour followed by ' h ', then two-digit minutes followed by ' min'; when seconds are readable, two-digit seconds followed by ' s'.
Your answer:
6 h 42 min 56 s
